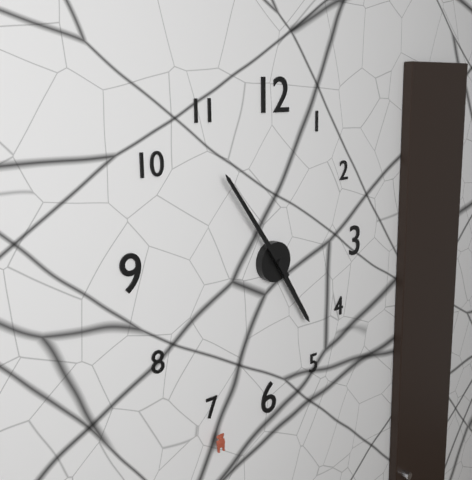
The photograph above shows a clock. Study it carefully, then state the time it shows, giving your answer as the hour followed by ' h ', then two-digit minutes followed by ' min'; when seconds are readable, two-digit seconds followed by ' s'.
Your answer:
4 h 54 min
